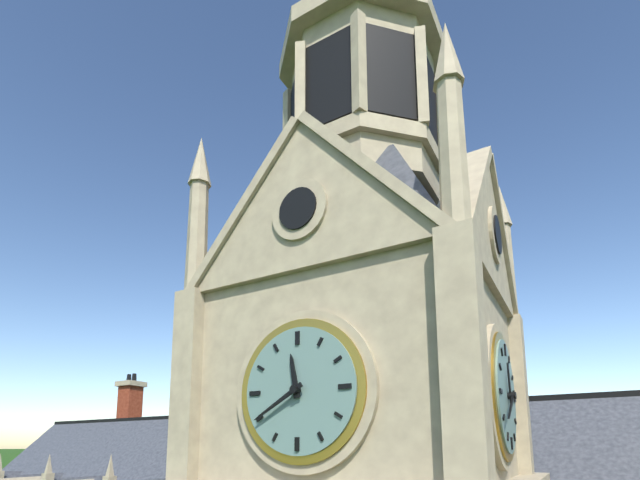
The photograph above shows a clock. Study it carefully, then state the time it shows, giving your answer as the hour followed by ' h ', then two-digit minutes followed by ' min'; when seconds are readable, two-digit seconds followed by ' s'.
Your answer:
11 h 40 min
